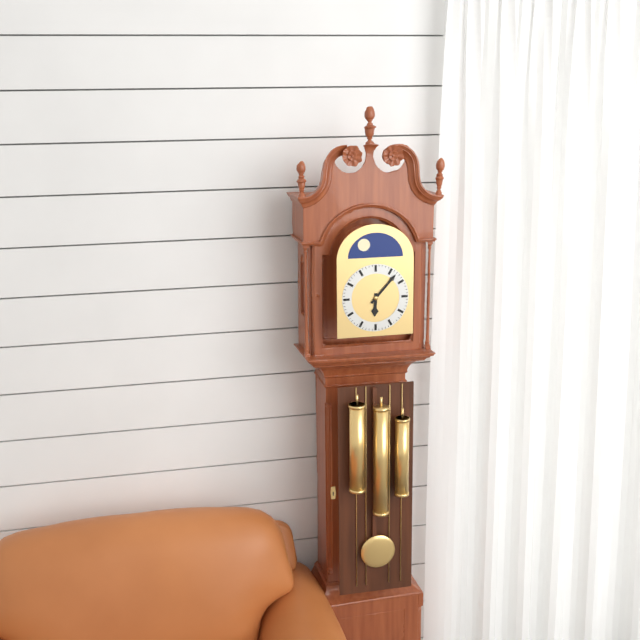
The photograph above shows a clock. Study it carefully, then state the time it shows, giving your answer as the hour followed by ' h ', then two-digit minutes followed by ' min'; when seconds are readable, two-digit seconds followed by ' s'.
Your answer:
6 h 07 min
